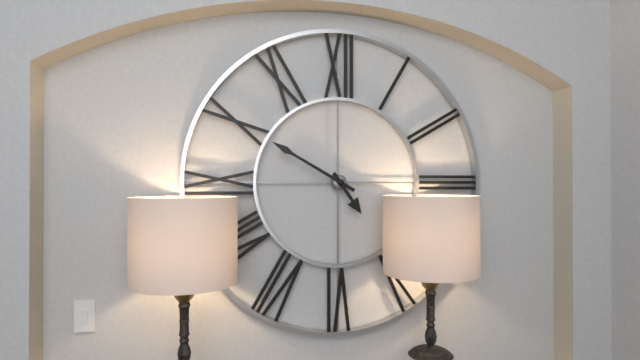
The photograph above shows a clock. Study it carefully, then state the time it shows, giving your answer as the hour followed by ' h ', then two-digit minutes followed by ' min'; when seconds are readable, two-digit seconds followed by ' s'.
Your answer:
4 h 50 min
